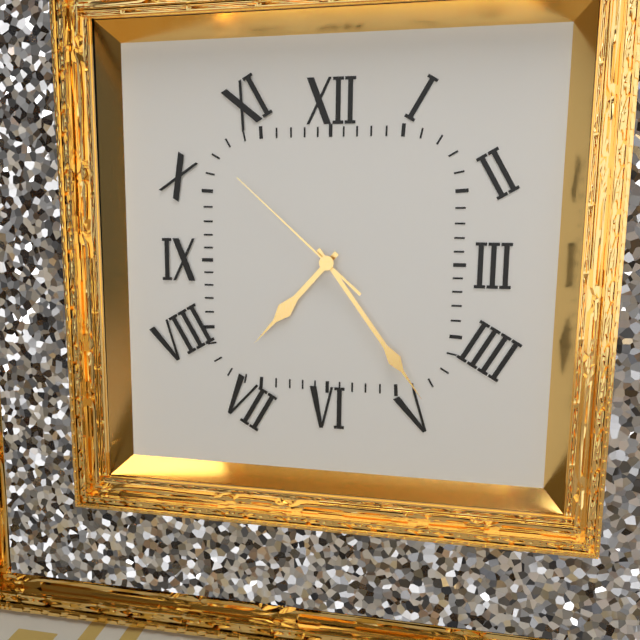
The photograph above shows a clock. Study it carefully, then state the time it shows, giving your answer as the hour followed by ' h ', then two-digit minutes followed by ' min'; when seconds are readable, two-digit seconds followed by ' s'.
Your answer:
7 h 24 min 52 s
